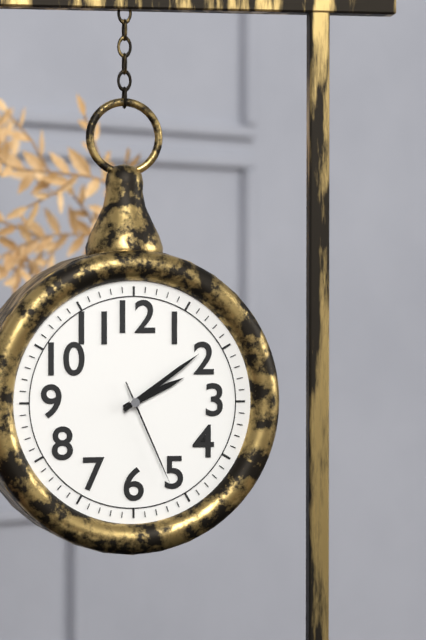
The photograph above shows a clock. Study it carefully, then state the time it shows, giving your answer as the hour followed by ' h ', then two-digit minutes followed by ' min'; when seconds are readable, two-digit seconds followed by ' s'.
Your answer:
2 h 09 min 26 s
